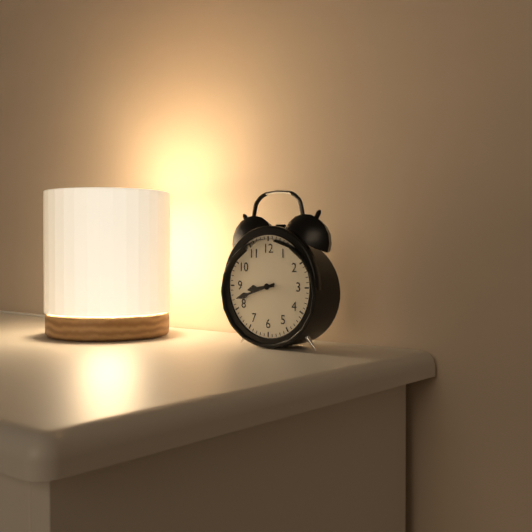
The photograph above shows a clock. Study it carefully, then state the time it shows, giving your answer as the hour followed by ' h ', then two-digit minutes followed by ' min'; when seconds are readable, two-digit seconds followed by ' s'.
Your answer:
8 h 42 min
